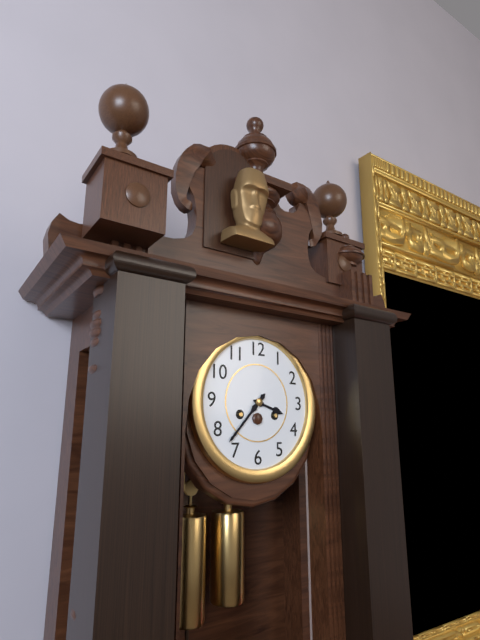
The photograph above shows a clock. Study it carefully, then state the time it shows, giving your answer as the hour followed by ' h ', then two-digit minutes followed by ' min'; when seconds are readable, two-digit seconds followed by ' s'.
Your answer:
3 h 37 min
